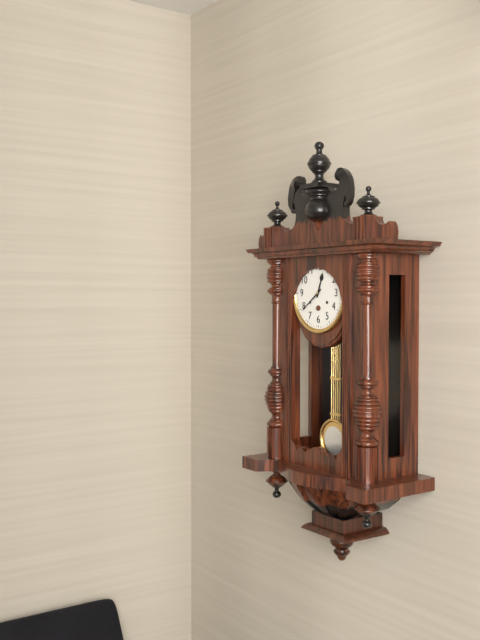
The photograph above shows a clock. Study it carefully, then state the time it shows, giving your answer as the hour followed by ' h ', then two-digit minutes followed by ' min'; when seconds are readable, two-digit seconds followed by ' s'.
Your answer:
12 h 39 min
